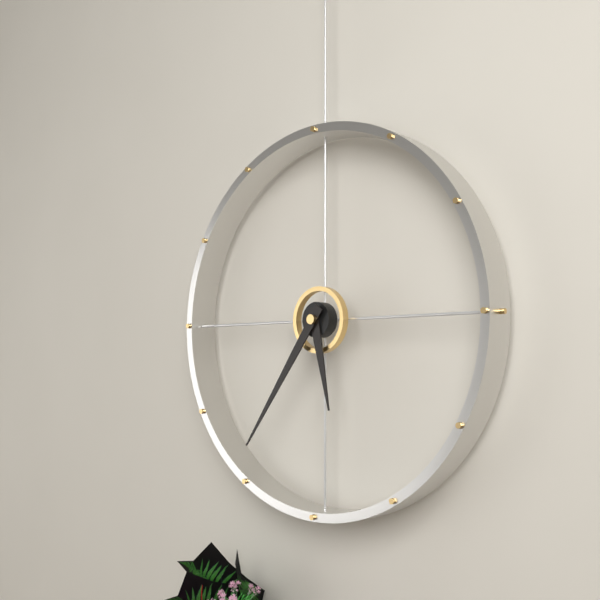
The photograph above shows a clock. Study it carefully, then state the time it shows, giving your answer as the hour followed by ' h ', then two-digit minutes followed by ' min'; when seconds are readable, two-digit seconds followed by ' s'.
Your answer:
5 h 36 min
